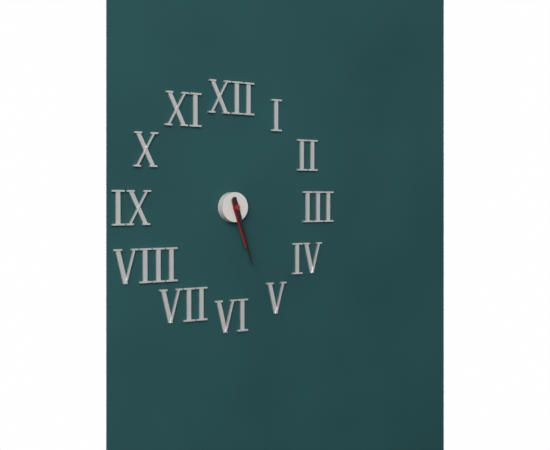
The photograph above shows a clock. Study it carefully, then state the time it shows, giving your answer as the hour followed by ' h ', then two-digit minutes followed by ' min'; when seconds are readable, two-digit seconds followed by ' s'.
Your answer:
5 h 27 min
